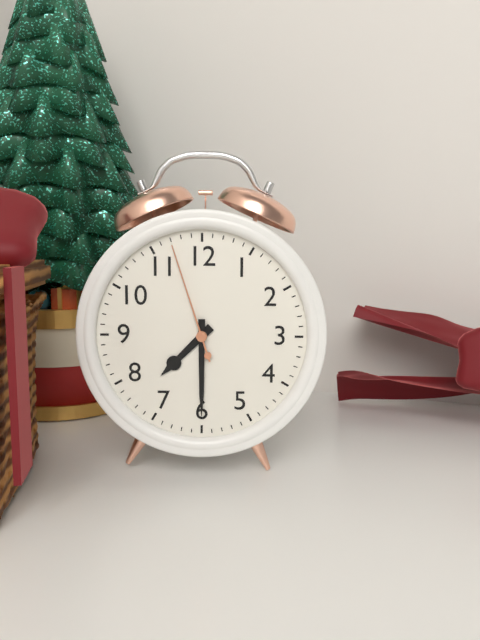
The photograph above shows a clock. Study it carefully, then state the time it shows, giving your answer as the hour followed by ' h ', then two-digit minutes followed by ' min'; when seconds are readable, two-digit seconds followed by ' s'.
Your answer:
7 h 30 min 57 s
